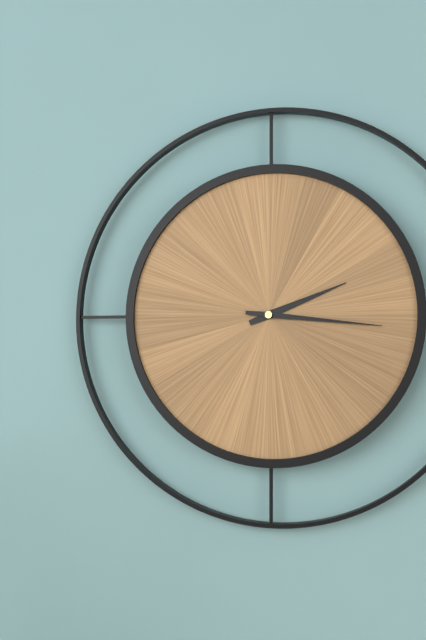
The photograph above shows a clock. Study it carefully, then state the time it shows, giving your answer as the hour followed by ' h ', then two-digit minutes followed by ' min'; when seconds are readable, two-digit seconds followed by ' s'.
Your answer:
2 h 16 min
